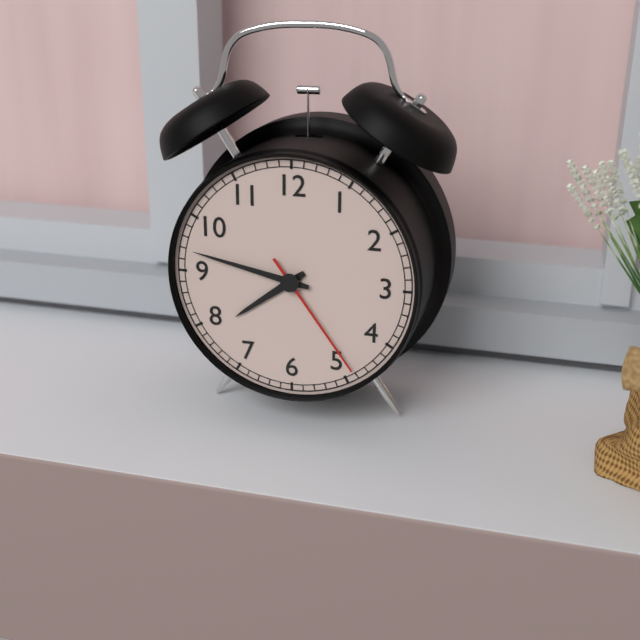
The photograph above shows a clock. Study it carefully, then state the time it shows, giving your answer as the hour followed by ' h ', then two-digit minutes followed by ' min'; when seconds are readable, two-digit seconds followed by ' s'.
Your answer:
7 h 47 min 24 s
